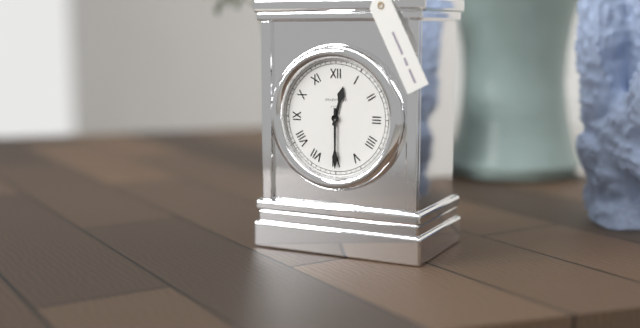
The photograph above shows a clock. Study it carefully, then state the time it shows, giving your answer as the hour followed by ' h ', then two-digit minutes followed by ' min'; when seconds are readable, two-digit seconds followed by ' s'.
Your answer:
12 h 30 min
